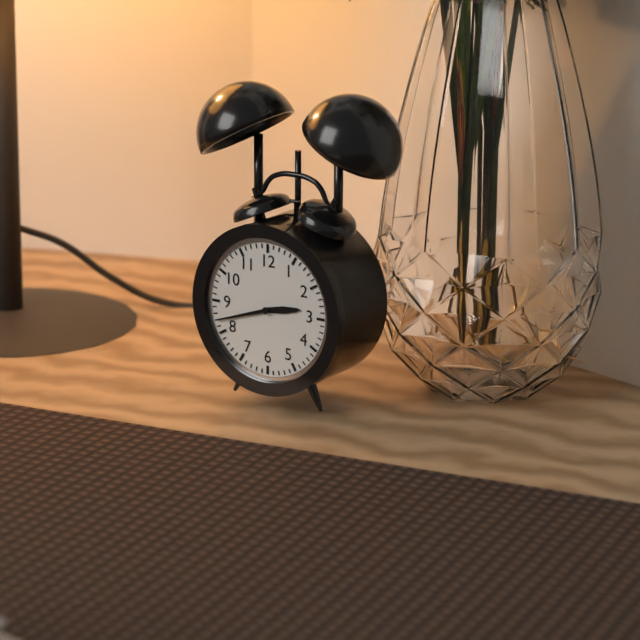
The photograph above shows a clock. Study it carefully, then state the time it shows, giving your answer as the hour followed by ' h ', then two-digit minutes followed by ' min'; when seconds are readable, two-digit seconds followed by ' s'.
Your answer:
2 h 42 min
